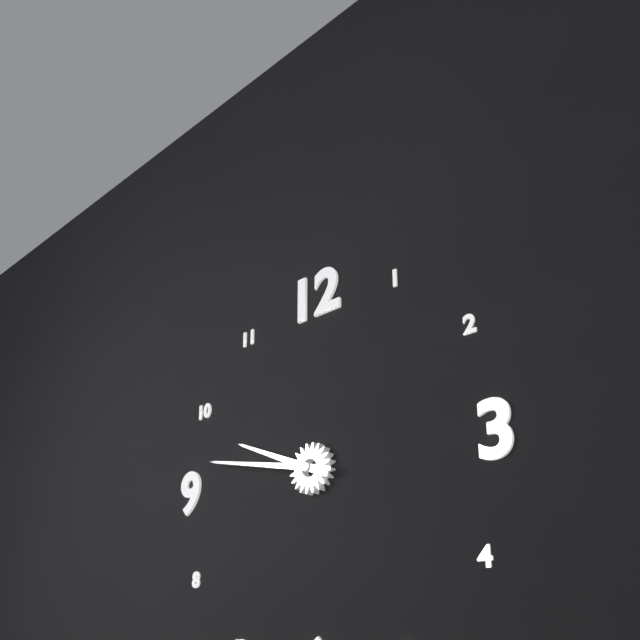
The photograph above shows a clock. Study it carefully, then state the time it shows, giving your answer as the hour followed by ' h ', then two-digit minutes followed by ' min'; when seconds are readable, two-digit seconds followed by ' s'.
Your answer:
9 h 47 min
